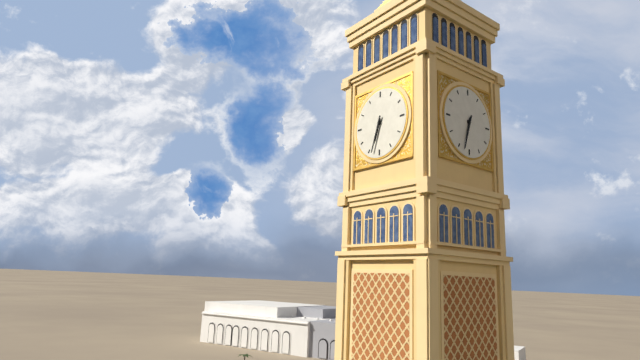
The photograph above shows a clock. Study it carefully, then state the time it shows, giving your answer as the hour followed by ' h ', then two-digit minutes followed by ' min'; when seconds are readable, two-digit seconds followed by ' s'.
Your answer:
6 h 33 min
